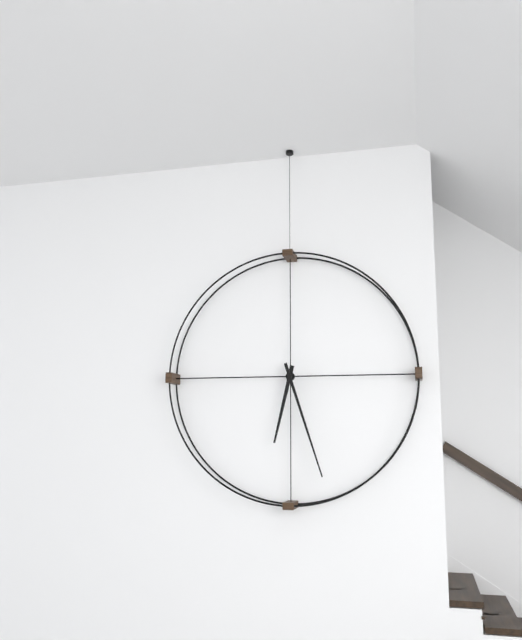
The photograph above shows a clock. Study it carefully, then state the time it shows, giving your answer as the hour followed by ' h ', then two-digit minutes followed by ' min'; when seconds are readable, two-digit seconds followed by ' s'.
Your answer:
6 h 27 min
